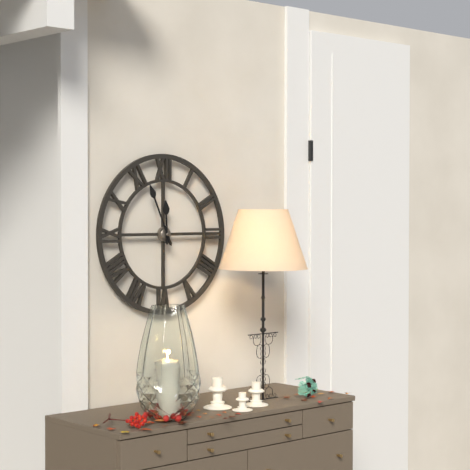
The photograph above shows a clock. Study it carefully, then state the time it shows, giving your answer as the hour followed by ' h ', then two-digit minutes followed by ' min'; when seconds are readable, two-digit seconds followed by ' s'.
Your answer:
11 h 56 min
